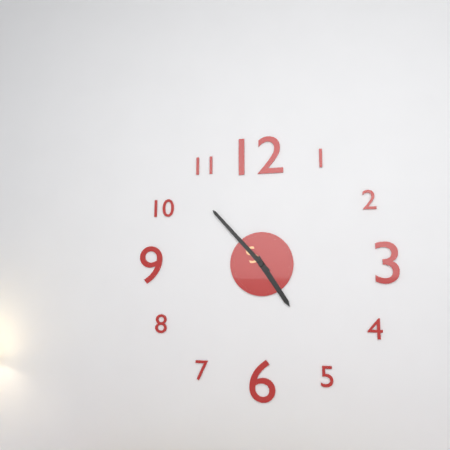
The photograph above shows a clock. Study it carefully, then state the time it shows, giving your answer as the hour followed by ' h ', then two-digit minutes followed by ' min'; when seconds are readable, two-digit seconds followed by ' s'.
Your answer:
4 h 53 min
